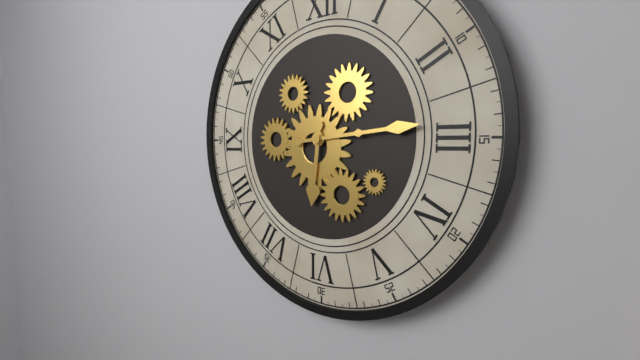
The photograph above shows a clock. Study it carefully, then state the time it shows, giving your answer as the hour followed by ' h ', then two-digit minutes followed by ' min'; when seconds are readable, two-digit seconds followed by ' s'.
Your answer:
6 h 14 min
